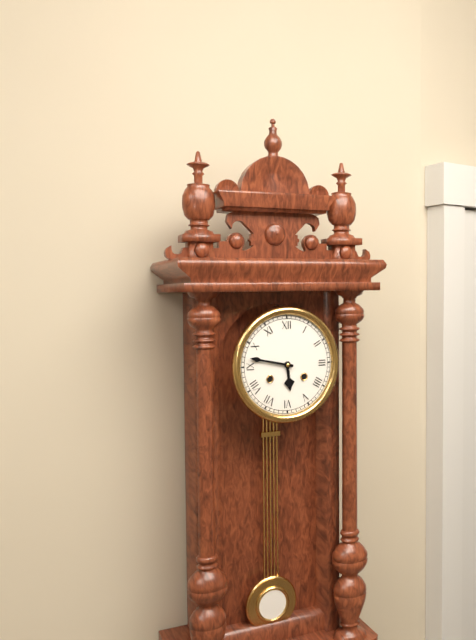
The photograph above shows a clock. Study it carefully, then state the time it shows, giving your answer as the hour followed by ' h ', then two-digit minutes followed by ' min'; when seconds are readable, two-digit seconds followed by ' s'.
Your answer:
5 h 47 min
